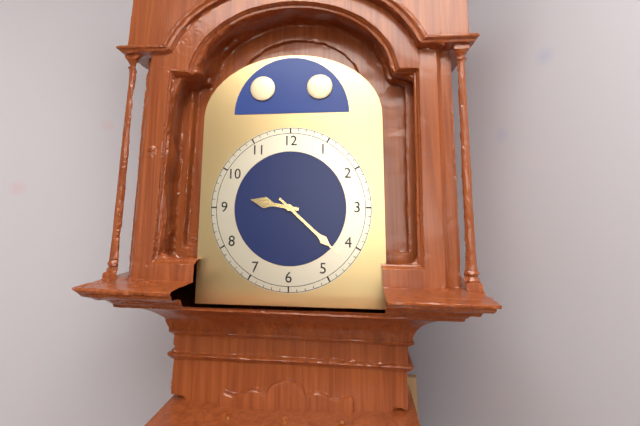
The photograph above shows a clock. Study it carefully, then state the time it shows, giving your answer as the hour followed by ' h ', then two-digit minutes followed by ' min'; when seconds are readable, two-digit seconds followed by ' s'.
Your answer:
9 h 22 min
